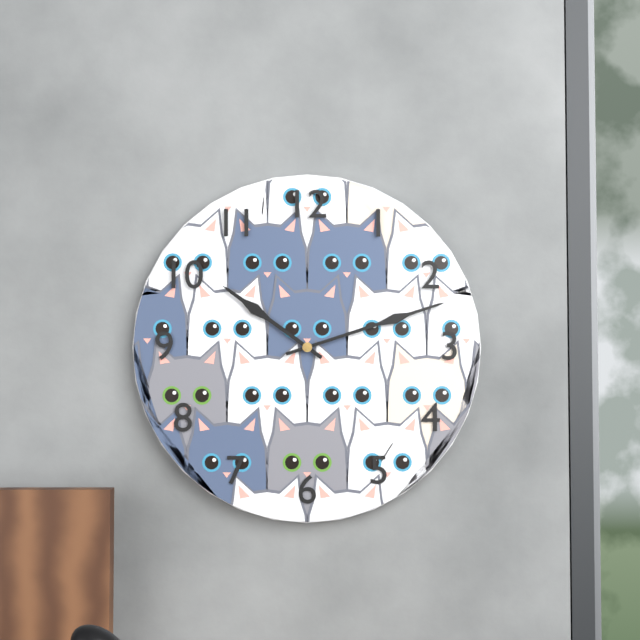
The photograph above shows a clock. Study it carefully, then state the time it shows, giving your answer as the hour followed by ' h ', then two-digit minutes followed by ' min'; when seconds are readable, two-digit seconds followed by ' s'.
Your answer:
10 h 12 min
